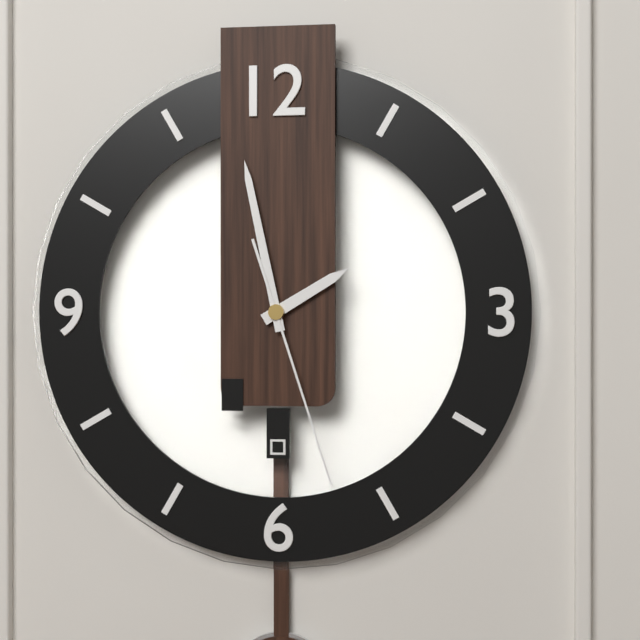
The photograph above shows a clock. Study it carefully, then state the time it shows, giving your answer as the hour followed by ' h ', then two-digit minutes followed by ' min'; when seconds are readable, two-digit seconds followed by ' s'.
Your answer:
1 h 58 min 27 s
